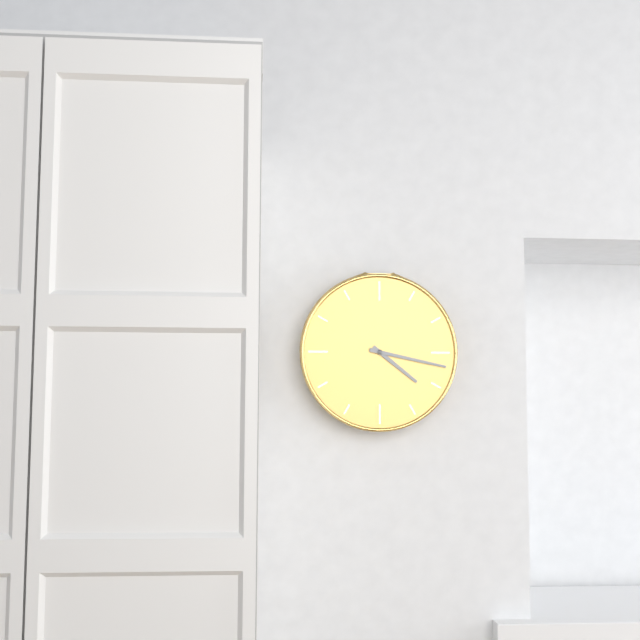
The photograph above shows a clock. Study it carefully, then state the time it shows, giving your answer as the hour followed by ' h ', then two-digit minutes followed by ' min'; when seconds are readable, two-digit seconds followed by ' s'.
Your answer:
4 h 17 min
